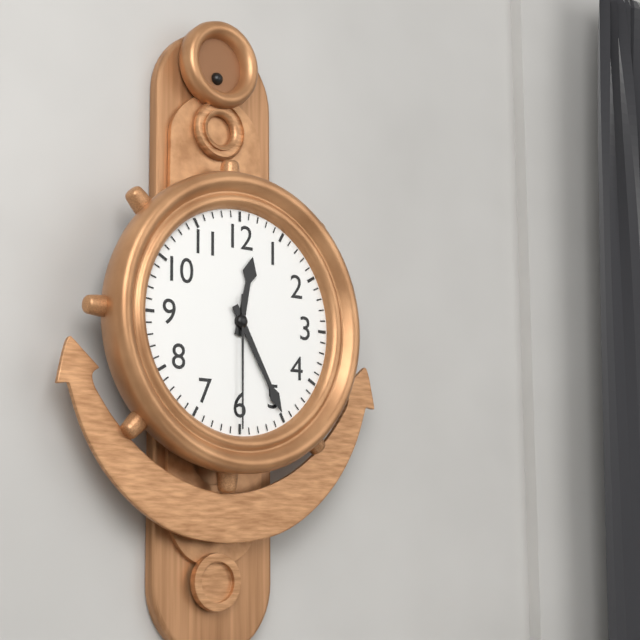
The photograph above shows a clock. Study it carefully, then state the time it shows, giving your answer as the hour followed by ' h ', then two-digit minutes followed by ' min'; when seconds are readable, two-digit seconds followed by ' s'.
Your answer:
12 h 25 min 30 s
